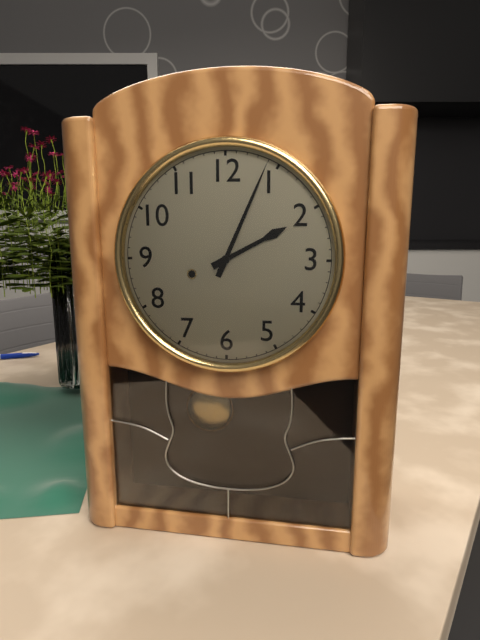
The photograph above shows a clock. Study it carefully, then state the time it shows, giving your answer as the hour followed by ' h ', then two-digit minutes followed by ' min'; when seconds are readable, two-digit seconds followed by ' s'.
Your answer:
2 h 04 min
